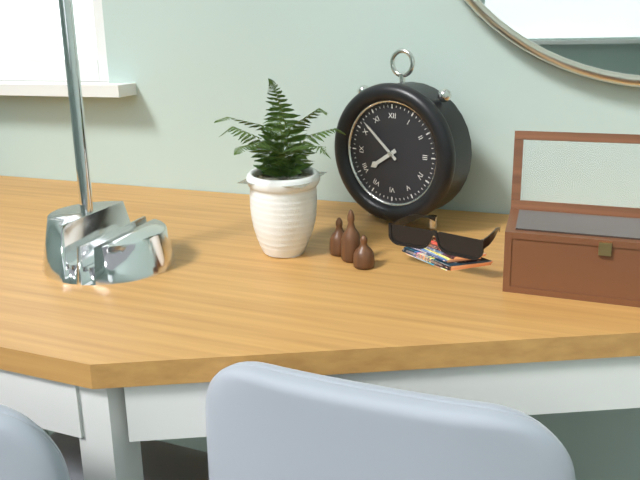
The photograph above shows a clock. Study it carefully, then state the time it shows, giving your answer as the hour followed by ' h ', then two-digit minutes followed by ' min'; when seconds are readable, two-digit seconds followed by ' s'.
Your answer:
7 h 52 min
